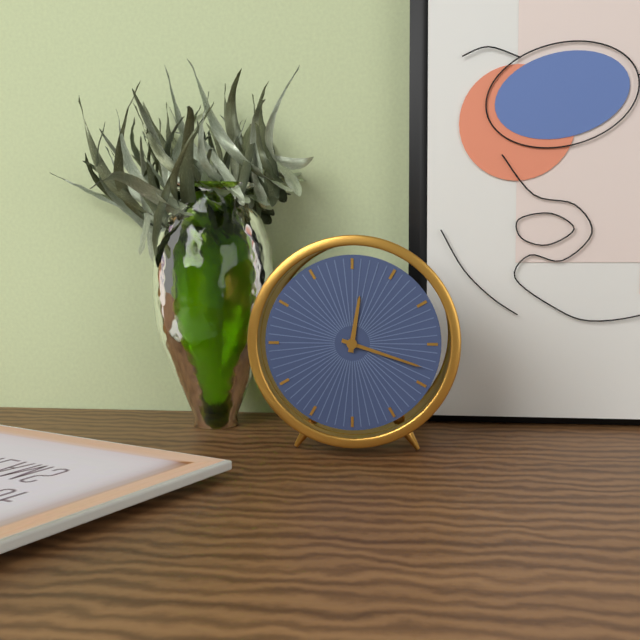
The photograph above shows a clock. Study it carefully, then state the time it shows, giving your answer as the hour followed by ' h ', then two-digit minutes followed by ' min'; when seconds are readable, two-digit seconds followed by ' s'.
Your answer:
12 h 18 min
